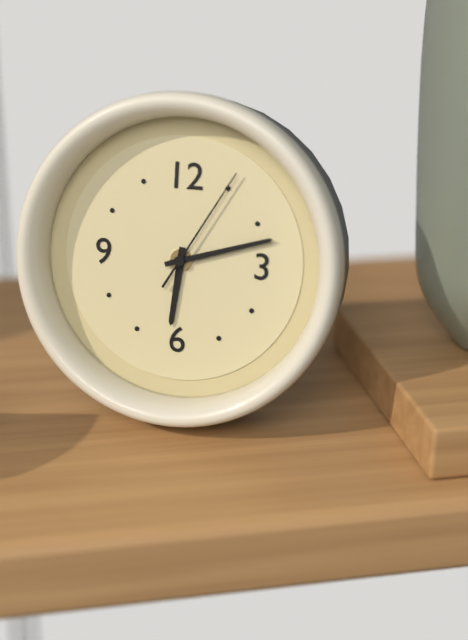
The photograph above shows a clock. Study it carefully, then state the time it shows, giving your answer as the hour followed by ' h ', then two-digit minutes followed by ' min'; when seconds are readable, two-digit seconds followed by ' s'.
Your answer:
6 h 12 min 05 s
